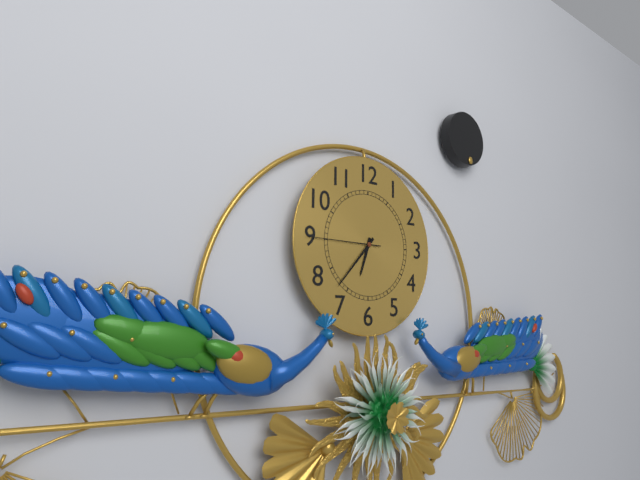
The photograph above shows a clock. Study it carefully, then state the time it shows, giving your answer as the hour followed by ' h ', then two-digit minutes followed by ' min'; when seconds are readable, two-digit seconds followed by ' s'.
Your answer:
6 h 37 min 45 s
